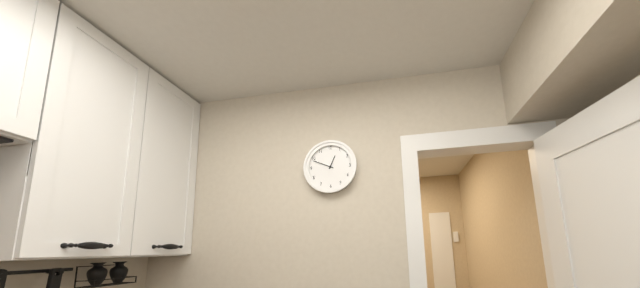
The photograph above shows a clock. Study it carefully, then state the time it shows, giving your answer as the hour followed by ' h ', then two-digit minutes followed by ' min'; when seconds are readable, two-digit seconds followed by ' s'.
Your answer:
12 h 49 min
